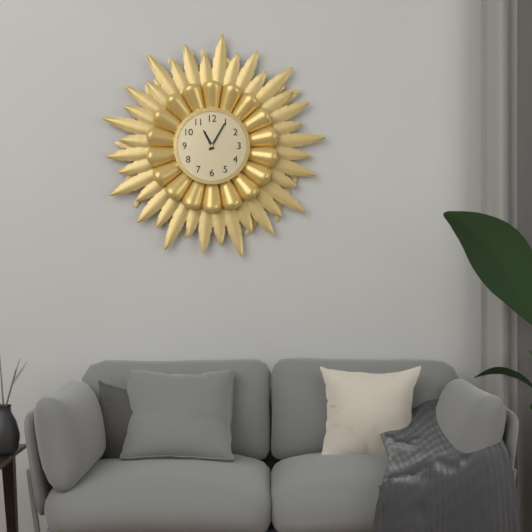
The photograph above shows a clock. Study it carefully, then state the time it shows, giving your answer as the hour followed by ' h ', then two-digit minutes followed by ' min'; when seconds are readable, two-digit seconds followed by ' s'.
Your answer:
11 h 05 min
